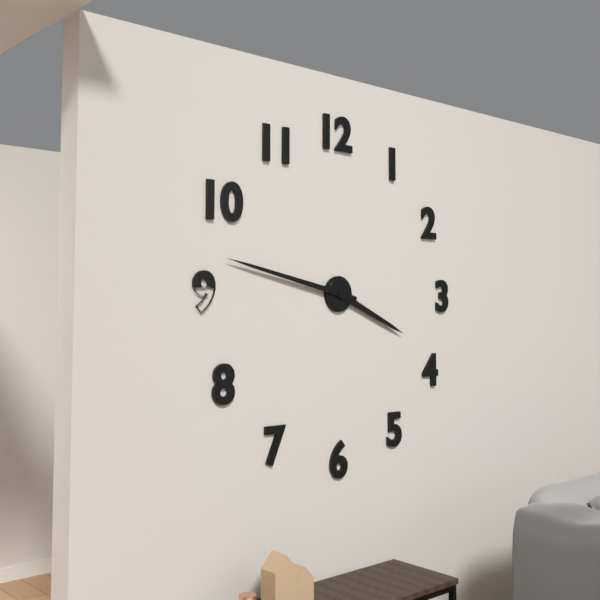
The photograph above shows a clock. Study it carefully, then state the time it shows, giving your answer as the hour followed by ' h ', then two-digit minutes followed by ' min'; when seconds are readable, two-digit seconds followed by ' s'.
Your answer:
3 h 47 min
